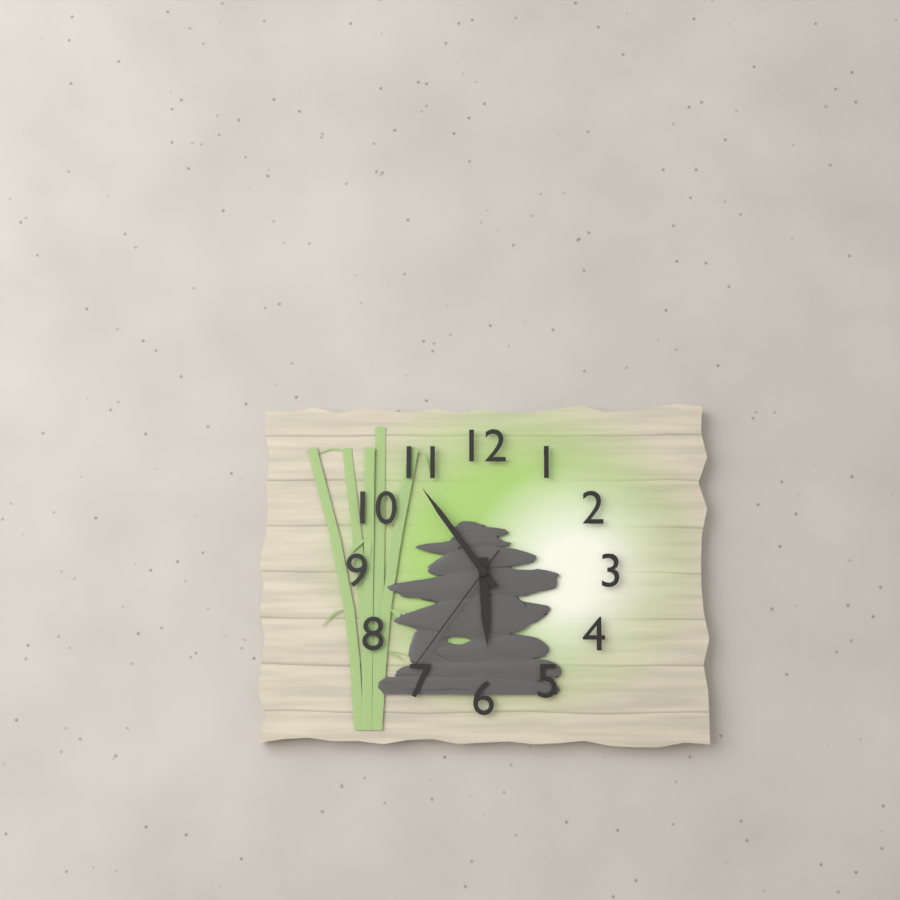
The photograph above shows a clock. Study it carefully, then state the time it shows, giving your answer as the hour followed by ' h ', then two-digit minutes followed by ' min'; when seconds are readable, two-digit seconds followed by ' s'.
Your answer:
5 h 54 min 36 s
